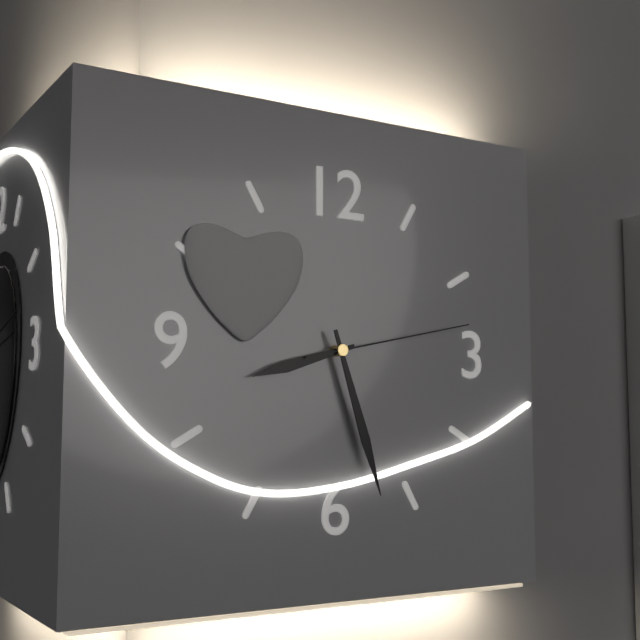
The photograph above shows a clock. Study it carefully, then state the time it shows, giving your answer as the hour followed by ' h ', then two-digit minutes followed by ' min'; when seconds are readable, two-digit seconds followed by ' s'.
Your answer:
8 h 27 min 13 s
